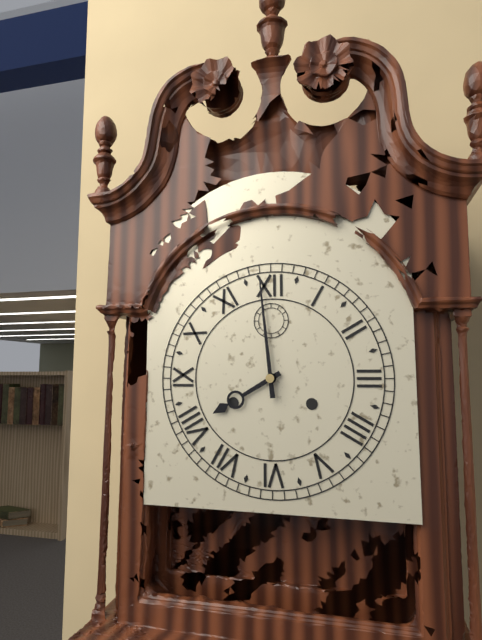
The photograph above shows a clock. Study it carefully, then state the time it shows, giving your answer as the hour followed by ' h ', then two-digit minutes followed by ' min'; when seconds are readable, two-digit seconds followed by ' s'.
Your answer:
7 h 59 min
